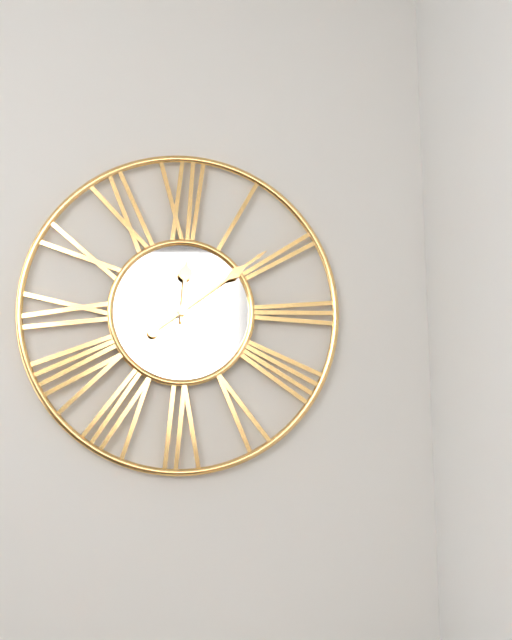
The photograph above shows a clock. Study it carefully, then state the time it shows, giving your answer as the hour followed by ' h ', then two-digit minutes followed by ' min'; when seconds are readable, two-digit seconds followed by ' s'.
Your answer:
12 h 09 min
